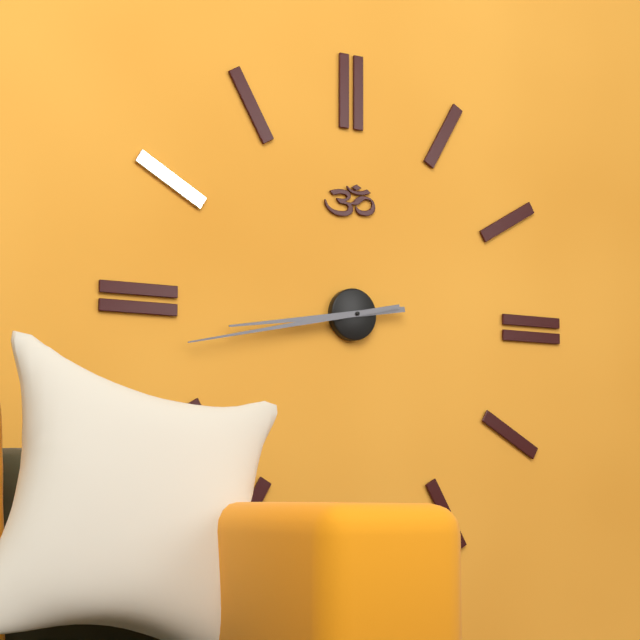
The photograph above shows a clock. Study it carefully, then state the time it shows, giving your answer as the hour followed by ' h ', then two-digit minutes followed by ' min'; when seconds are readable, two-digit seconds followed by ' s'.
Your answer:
8 h 43 min
